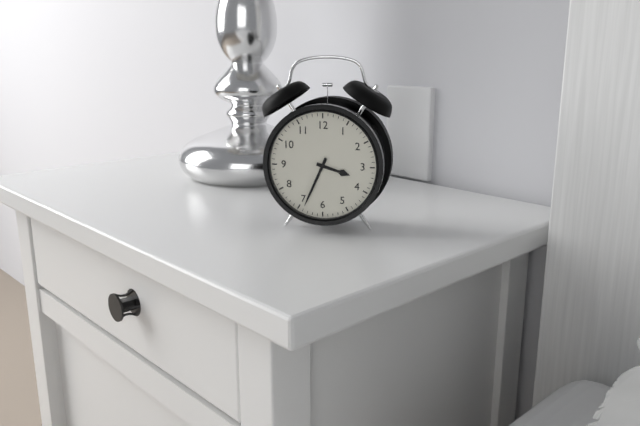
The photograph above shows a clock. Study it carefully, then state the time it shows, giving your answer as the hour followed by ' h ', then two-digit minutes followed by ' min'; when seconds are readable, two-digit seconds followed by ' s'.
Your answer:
3 h 34 min
